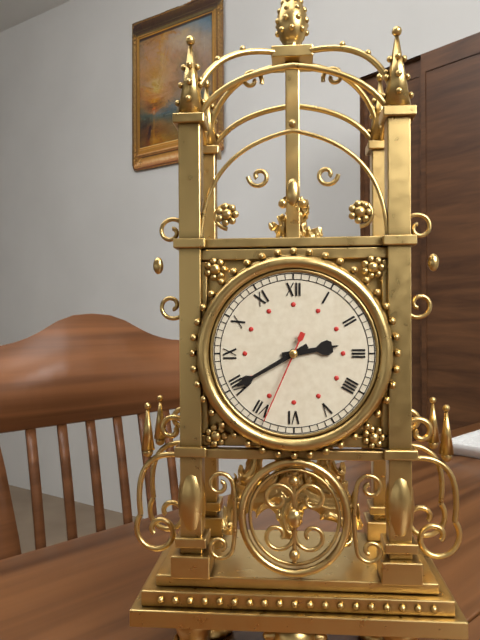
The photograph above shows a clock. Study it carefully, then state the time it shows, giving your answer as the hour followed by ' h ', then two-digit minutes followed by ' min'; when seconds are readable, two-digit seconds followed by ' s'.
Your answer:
2 h 40 min 34 s
